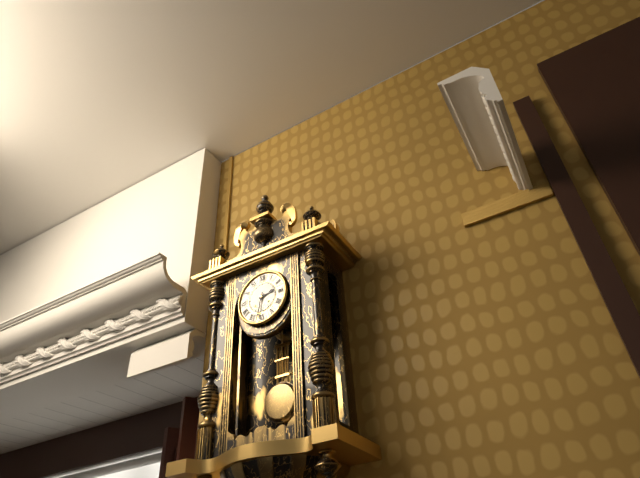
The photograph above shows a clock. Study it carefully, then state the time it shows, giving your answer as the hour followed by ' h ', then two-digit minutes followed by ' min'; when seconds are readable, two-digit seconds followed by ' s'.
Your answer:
2 h 32 min
